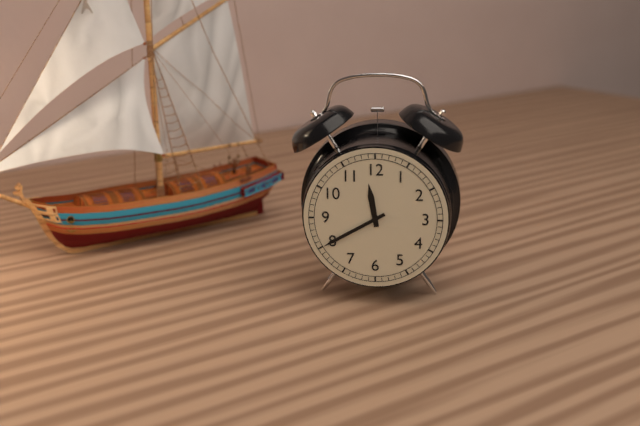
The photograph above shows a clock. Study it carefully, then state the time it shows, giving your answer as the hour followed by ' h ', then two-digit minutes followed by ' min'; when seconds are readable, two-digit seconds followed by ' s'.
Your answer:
11 h 40 min
